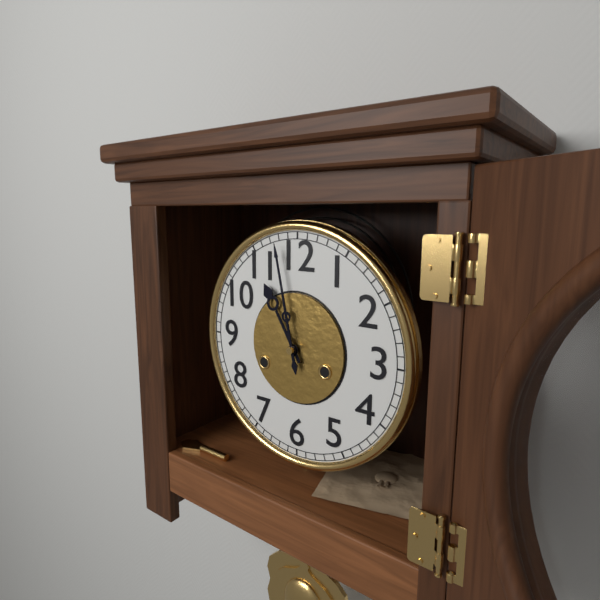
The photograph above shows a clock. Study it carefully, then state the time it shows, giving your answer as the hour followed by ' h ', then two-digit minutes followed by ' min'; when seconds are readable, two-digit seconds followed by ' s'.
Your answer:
10 h 58 min
